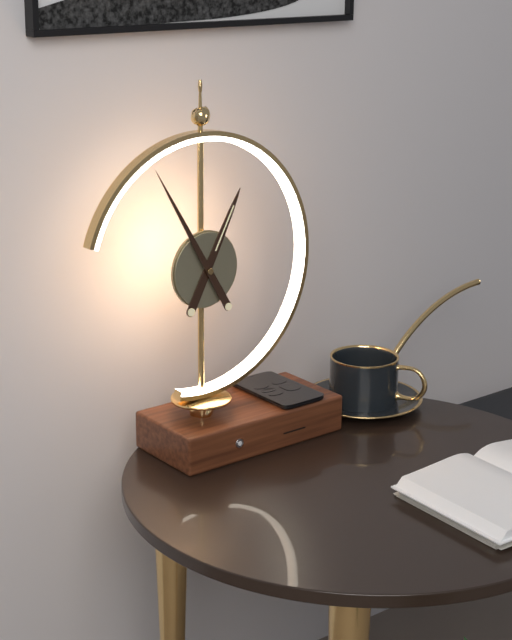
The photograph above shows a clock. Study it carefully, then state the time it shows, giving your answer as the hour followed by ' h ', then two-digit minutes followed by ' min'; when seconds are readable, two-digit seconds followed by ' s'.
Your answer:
12 h 55 min
